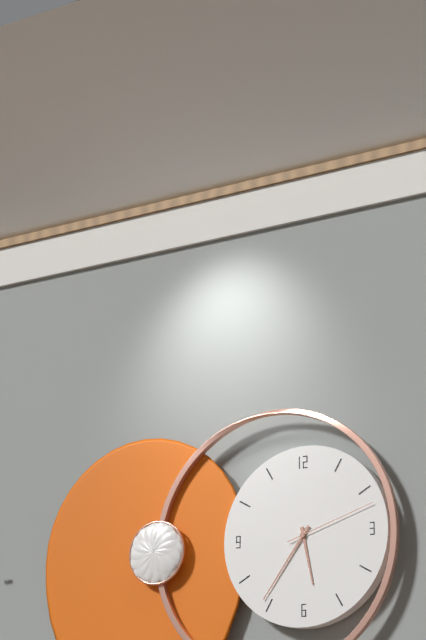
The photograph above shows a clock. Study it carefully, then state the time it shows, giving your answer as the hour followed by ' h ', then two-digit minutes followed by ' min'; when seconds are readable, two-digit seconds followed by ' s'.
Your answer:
5 h 36 min 12 s
